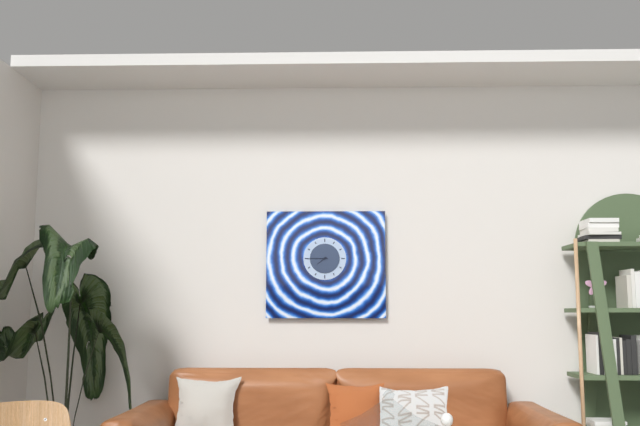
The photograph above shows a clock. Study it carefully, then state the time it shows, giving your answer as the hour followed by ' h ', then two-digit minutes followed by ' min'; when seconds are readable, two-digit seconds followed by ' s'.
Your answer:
7 h 45 min
